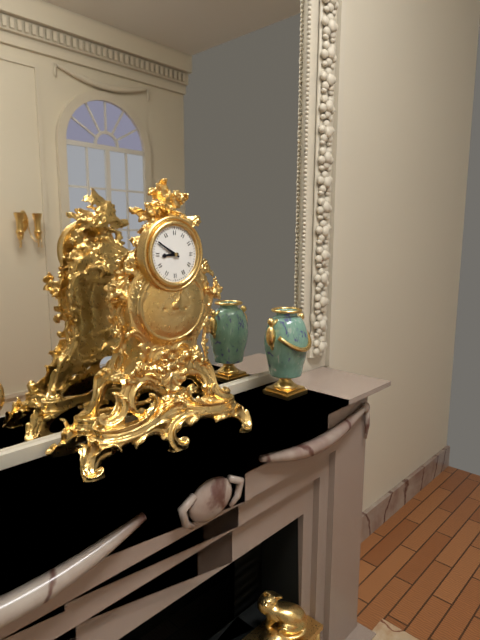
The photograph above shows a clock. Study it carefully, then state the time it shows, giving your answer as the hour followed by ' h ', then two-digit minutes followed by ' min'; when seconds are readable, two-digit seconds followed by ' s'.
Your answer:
8 h 50 min
